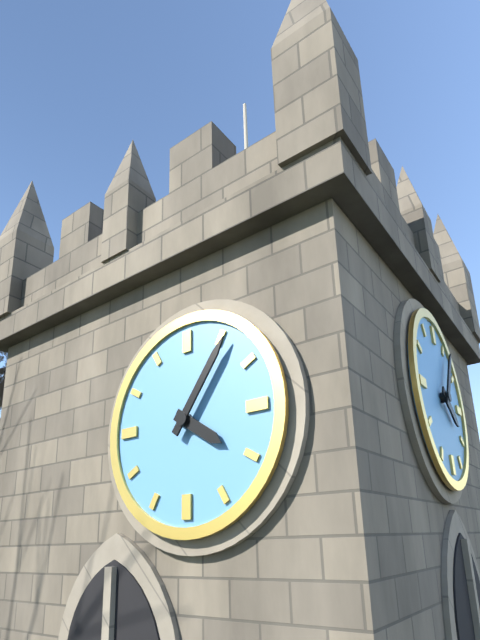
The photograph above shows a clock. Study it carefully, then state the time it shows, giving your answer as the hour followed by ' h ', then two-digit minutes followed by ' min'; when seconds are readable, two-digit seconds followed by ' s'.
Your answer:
4 h 06 min
